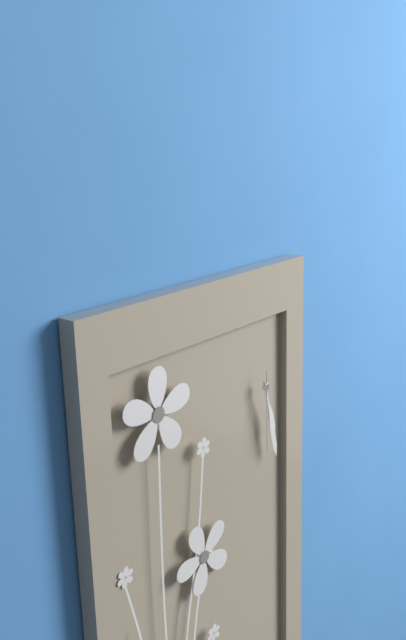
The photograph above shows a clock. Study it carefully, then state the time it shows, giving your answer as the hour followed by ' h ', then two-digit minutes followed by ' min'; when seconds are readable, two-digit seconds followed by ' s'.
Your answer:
5 h 28 min 30 s
